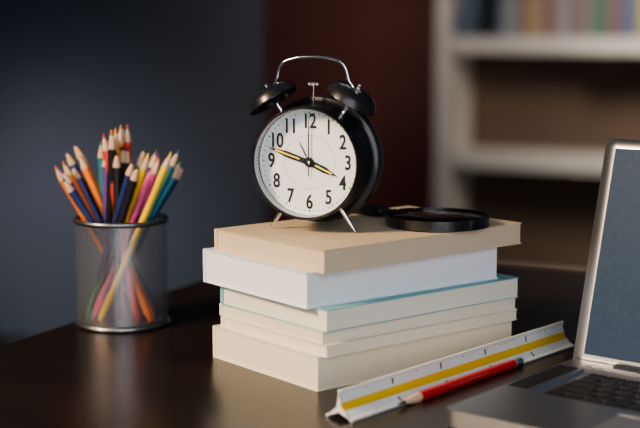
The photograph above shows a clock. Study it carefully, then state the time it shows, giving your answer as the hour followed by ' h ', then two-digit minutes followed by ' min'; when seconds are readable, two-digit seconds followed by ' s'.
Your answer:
3 h 48 min 00 s
